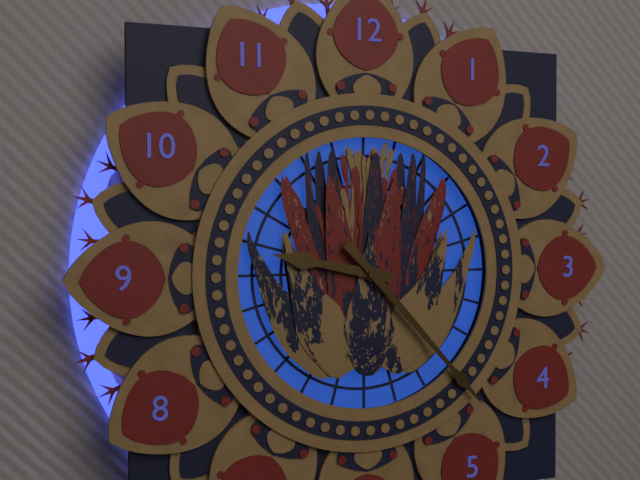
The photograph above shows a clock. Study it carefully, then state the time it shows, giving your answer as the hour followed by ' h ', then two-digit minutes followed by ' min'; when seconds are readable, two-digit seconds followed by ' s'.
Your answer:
9 h 23 min
